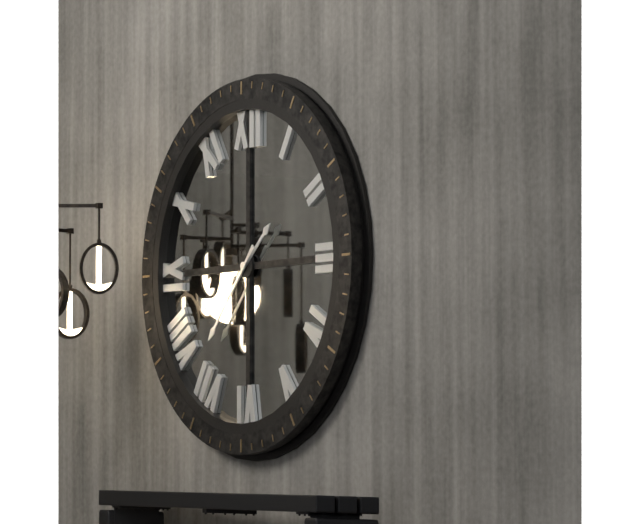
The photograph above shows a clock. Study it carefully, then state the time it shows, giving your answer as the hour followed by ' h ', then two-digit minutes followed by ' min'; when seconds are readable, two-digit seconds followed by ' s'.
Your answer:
1 h 37 min
